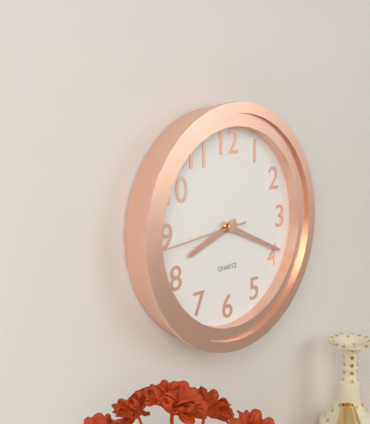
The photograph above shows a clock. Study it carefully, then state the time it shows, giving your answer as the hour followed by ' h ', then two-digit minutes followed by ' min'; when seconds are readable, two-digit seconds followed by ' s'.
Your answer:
8 h 19 min 44 s
